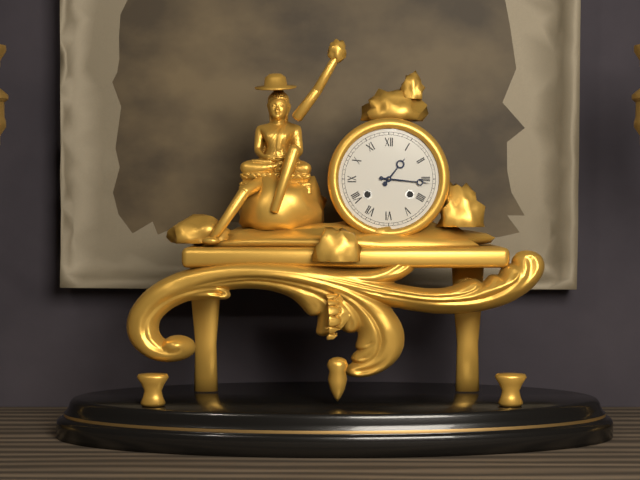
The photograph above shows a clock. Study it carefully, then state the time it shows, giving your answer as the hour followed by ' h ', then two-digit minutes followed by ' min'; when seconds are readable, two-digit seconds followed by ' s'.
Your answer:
1 h 16 min
